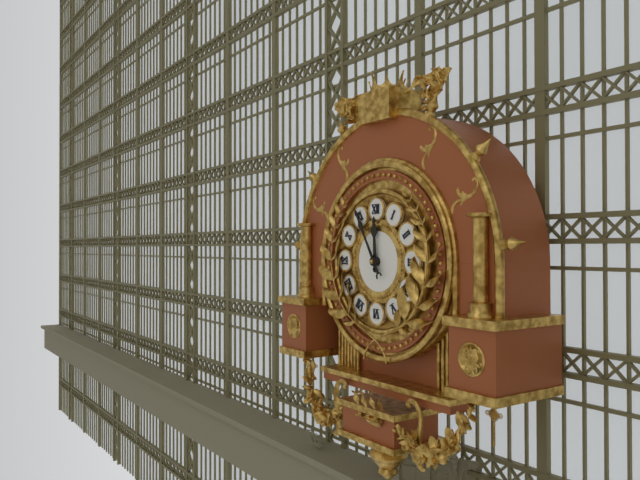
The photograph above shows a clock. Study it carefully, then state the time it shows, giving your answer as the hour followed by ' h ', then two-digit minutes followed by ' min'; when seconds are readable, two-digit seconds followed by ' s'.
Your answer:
11 h 55 min
